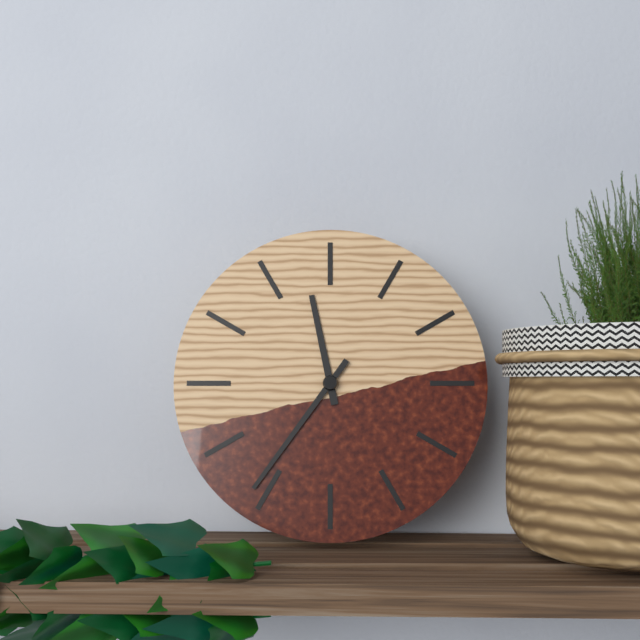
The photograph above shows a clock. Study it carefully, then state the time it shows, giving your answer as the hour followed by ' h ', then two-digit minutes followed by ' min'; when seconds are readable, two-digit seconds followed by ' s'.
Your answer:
11 h 36 min
